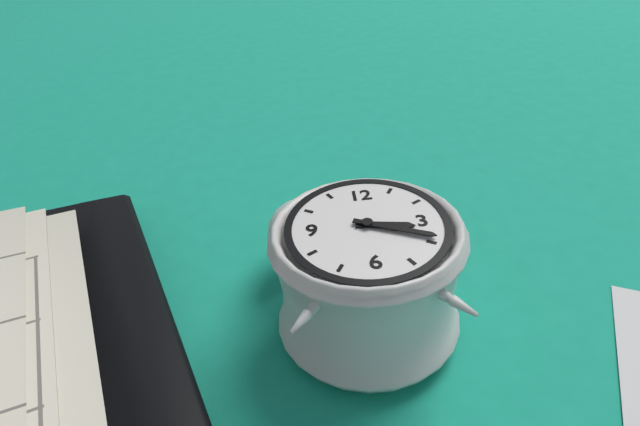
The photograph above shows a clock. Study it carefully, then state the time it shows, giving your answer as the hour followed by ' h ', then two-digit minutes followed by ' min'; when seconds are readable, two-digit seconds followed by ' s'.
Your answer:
3 h 19 min
